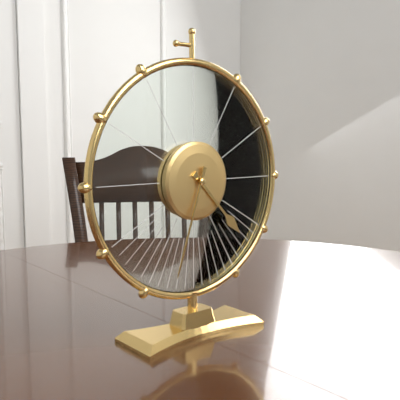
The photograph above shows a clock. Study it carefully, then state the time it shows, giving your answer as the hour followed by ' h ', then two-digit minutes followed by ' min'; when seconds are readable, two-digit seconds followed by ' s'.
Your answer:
4 h 33 min
